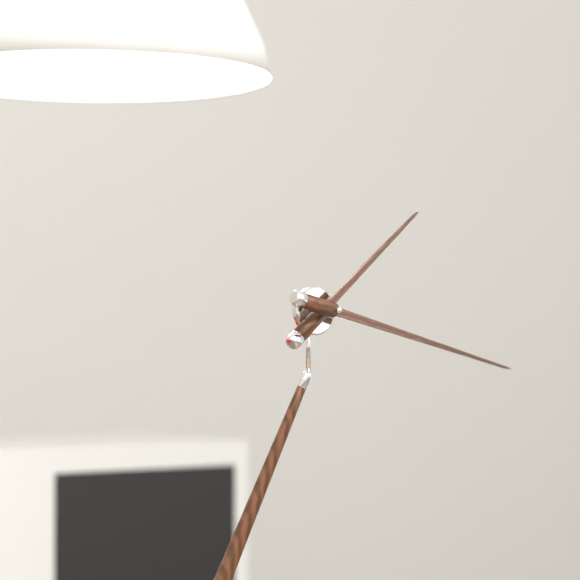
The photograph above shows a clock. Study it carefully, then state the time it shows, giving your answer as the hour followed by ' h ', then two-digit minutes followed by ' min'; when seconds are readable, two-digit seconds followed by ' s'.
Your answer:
1 h 15 min
